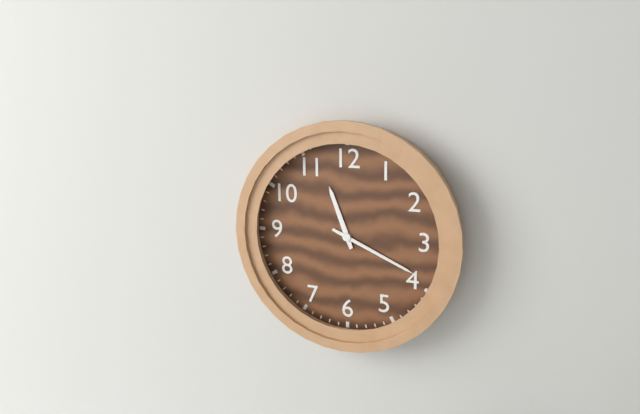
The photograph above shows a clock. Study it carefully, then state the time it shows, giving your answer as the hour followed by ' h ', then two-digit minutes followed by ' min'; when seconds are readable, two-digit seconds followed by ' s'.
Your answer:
11 h 19 min
